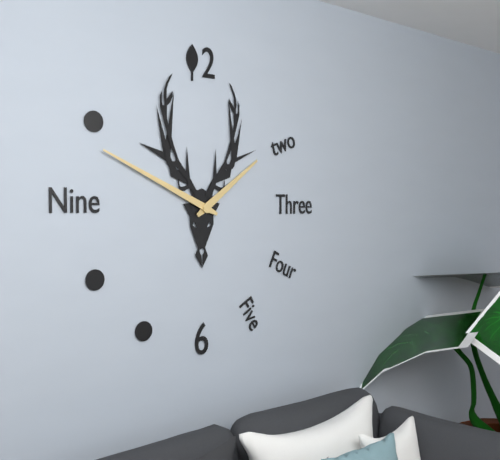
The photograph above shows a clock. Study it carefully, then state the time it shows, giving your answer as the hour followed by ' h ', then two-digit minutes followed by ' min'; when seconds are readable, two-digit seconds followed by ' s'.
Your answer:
1 h 49 min
